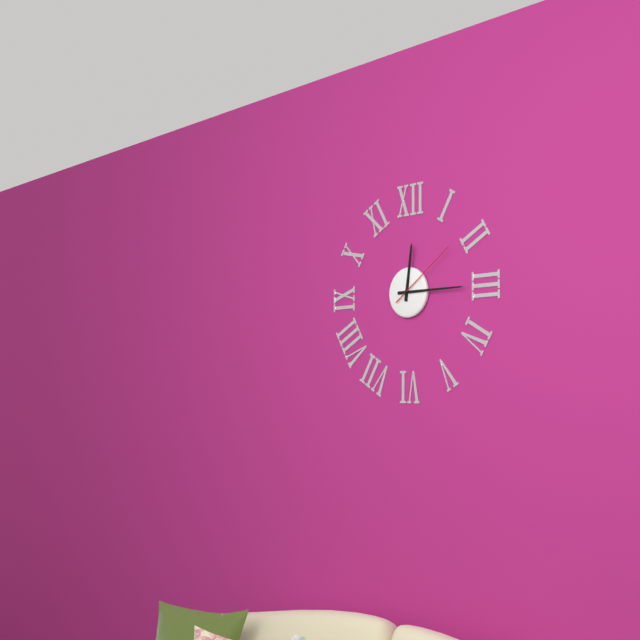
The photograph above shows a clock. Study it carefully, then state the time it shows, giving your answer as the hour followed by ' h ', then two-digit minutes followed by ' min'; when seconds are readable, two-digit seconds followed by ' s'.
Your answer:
12 h 15 min 09 s
